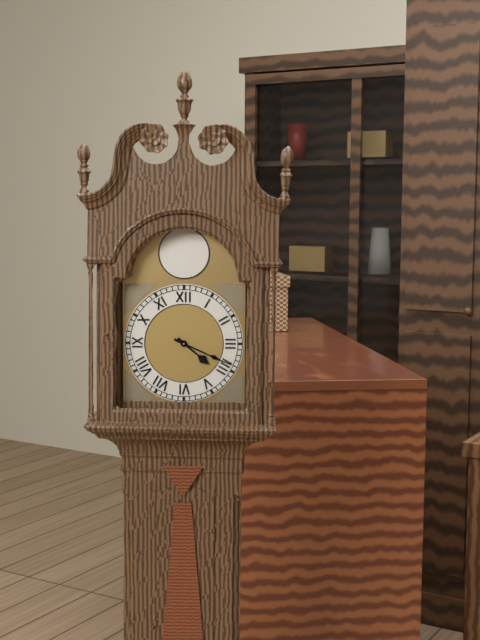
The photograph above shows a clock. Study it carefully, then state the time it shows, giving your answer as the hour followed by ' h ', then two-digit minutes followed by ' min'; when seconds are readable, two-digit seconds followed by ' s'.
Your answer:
4 h 19 min
